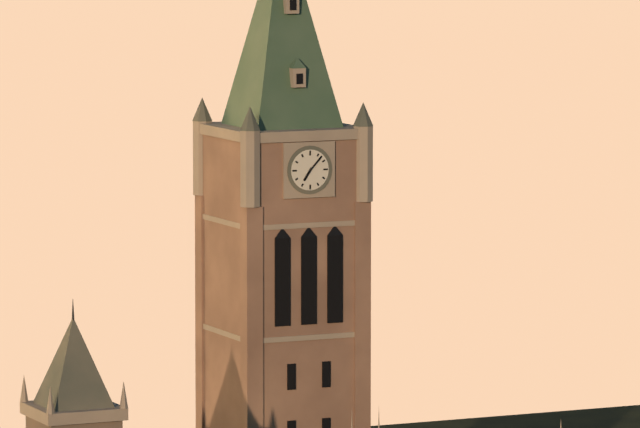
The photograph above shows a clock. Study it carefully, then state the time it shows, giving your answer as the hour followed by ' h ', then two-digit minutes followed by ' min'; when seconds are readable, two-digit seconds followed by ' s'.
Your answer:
7 h 07 min
